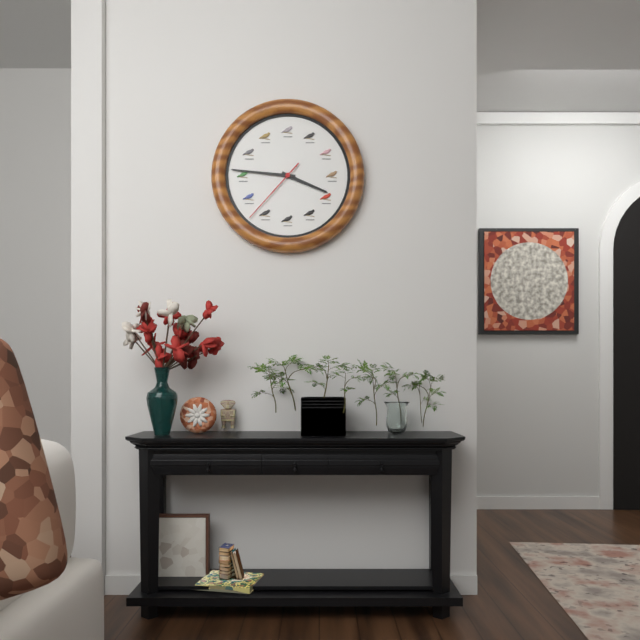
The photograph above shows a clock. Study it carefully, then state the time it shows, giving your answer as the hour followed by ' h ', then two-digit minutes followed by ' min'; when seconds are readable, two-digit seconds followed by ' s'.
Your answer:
3 h 46 min 37 s
